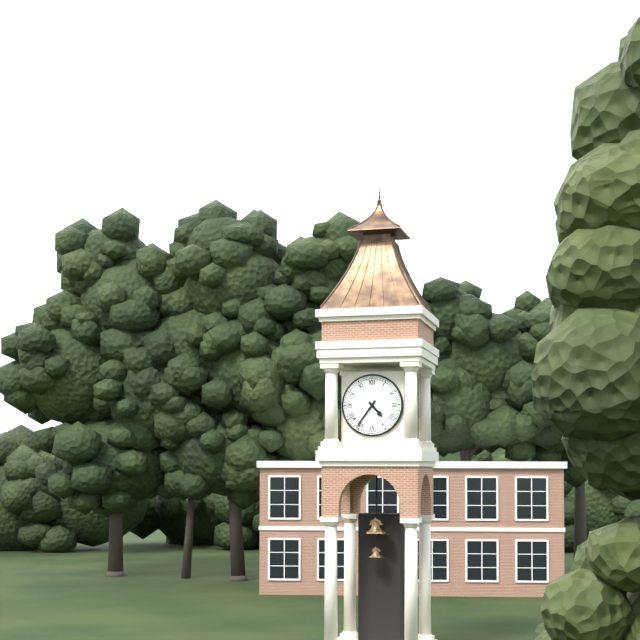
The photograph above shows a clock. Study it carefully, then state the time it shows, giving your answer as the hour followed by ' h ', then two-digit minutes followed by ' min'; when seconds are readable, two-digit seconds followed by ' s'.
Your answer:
4 h 36 min
